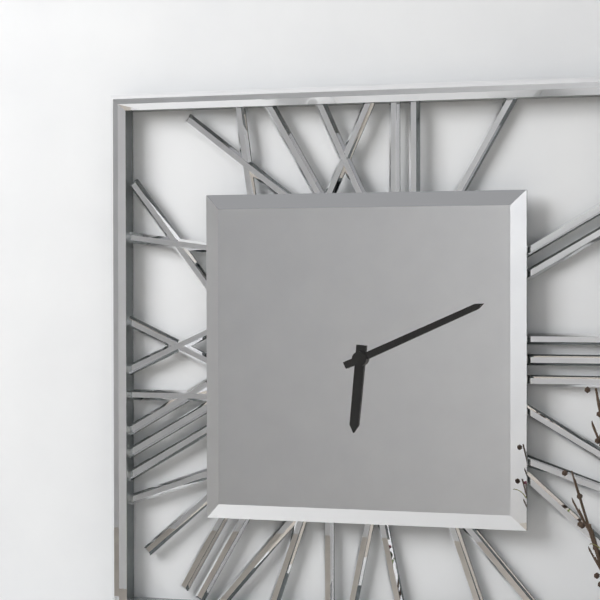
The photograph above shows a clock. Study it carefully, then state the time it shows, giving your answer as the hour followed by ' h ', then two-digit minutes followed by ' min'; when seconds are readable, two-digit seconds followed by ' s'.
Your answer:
6 h 11 min
